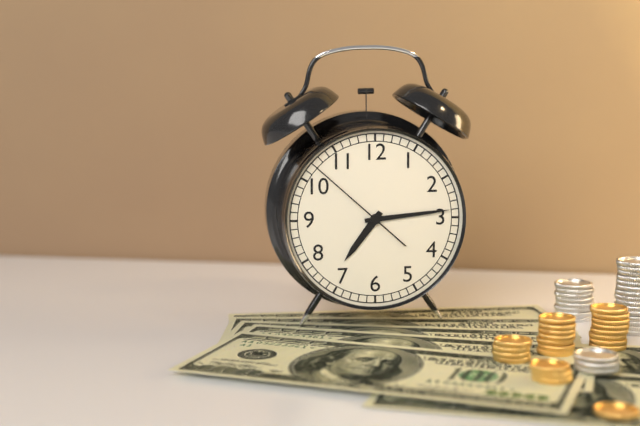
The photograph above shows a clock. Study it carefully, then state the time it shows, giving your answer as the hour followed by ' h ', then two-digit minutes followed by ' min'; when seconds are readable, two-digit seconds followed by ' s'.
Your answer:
7 h 14 min 52 s
